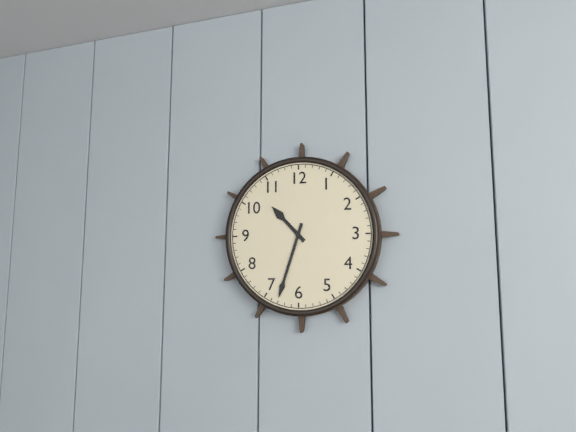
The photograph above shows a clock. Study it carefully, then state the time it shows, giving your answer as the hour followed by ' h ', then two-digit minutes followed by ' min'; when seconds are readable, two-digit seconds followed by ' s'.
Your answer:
10 h 33 min
